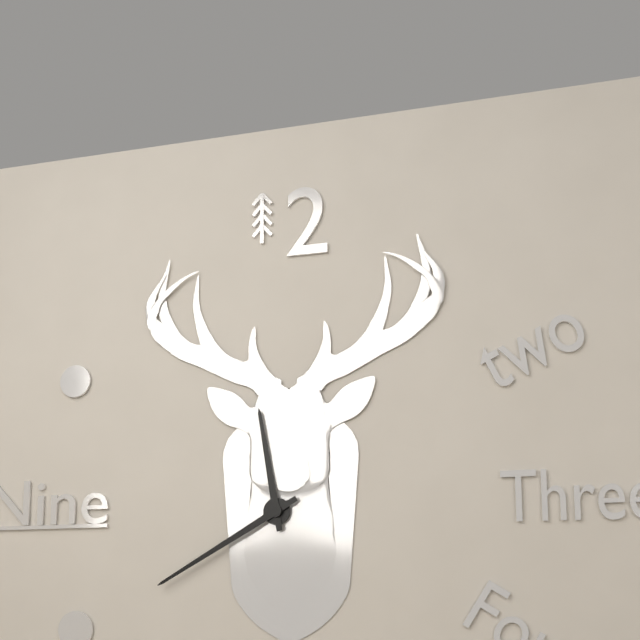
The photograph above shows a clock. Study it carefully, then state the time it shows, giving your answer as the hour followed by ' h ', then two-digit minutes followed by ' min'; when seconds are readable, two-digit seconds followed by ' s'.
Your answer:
11 h 40 min
